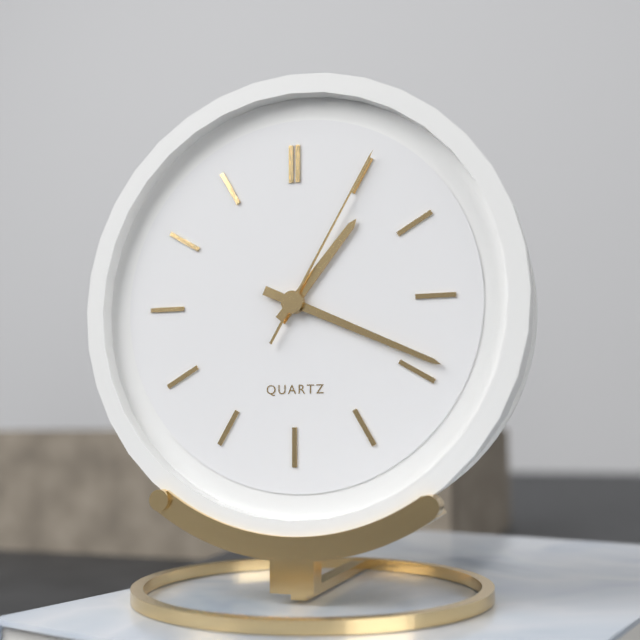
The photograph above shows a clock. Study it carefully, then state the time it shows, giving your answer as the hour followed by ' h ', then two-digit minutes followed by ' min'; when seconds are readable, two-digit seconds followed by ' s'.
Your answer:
1 h 19 min 05 s
